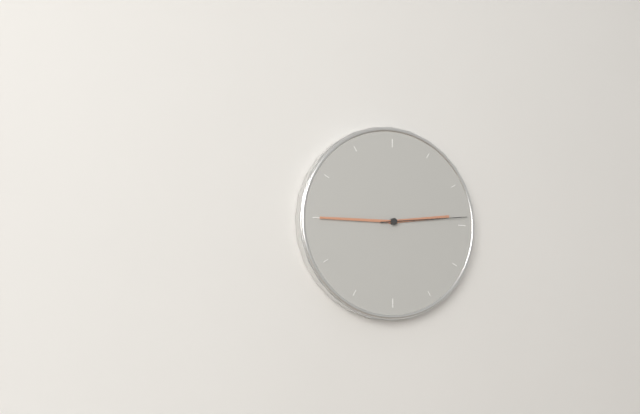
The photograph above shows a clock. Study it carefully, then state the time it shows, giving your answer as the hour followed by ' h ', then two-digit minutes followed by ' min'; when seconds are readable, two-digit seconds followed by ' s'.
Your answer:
2 h 45 min 14 s
